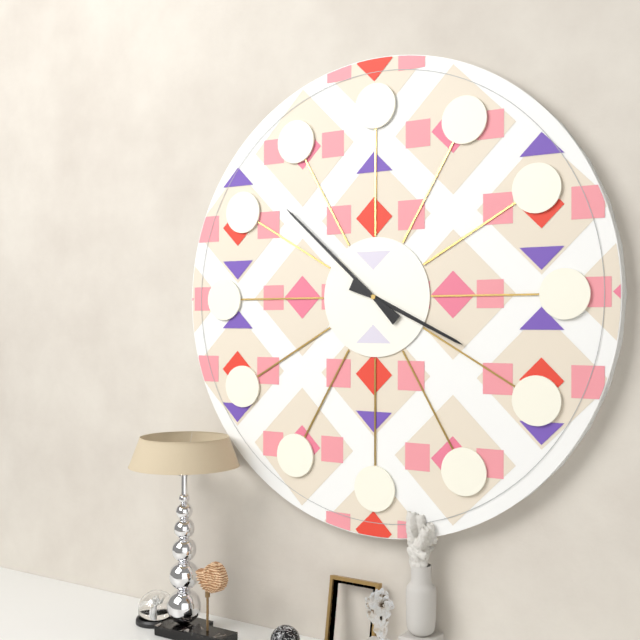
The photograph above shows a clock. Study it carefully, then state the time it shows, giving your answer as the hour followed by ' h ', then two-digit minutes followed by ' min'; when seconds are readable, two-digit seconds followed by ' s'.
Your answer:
3 h 52 min
